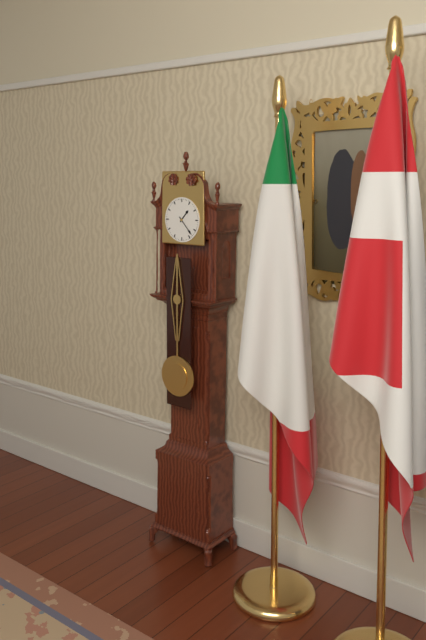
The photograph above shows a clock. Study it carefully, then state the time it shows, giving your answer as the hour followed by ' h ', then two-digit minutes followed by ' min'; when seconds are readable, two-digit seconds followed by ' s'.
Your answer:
1 h 23 min
